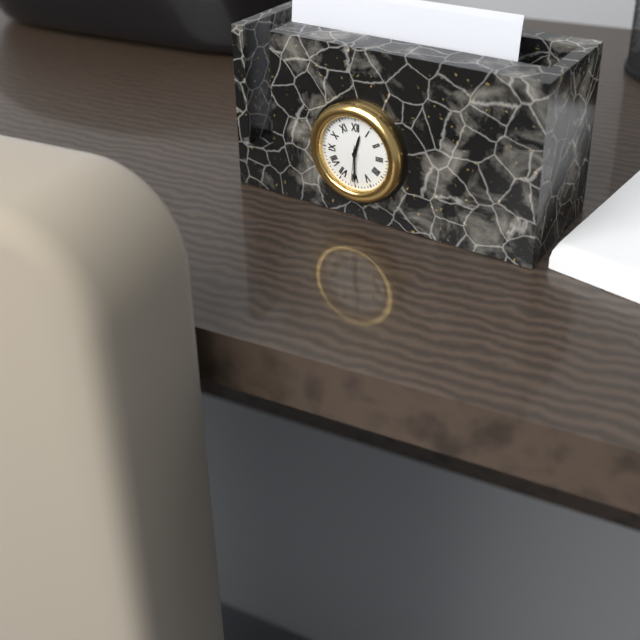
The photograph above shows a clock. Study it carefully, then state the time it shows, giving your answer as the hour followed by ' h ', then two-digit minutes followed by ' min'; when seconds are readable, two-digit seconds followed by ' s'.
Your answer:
12 h 30 min
